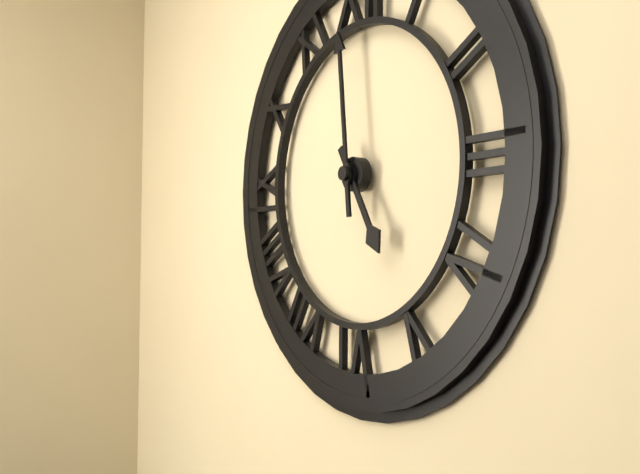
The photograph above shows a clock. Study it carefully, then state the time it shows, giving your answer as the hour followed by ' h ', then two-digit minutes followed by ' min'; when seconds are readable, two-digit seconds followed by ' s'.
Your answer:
4 h 59 min
